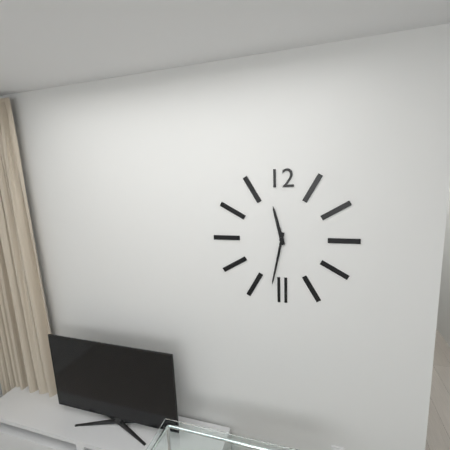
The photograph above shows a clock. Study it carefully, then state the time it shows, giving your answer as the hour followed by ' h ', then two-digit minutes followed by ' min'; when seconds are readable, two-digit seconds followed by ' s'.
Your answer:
11 h 32 min
